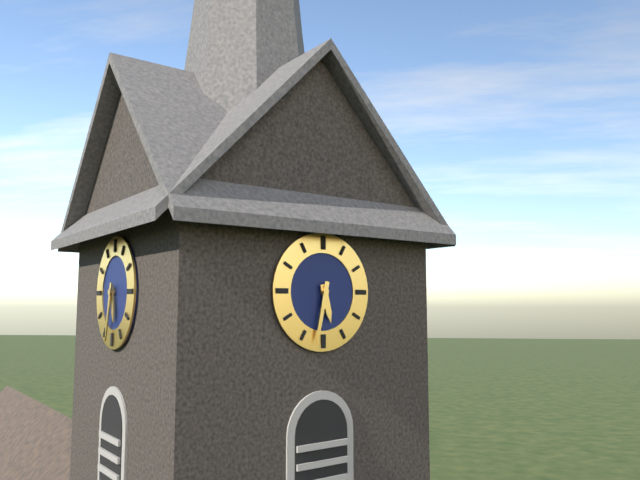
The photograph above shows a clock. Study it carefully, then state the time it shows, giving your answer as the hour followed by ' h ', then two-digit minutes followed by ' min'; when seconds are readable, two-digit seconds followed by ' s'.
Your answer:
5 h 32 min
